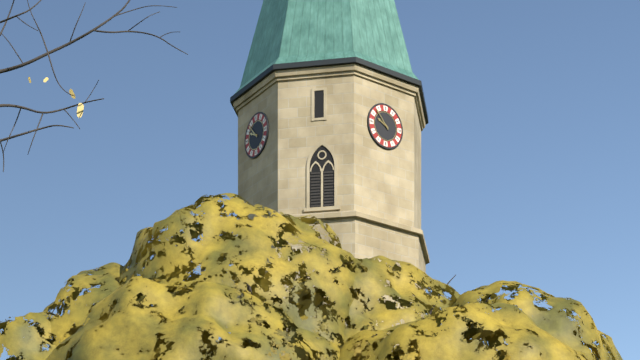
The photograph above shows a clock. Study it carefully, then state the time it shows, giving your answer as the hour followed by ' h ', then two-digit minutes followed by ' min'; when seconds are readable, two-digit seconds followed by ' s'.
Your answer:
9 h 53 min
